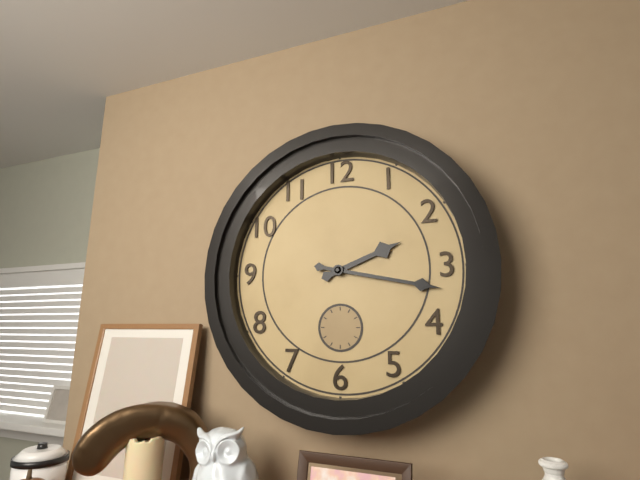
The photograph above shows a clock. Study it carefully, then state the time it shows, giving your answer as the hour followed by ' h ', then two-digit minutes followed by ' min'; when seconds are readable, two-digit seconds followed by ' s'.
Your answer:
2 h 17 min
